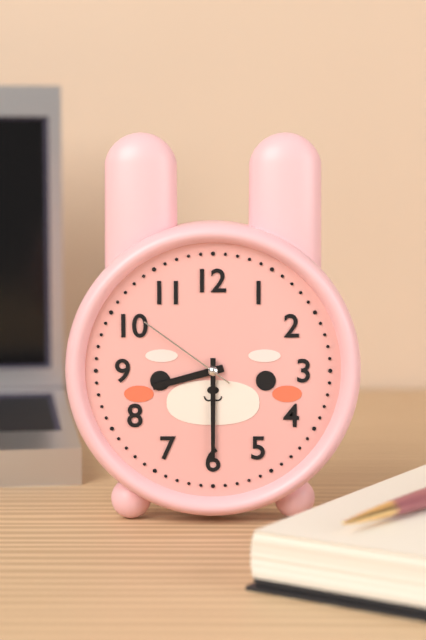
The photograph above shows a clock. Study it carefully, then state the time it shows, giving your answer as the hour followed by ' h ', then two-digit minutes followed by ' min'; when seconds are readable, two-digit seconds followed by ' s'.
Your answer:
8 h 30 min 51 s
